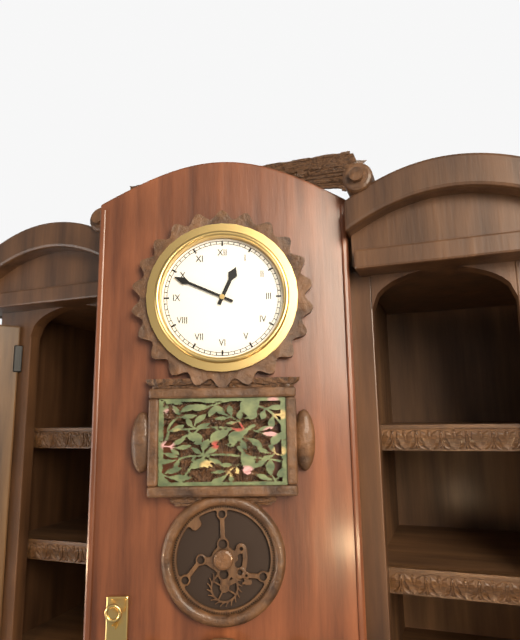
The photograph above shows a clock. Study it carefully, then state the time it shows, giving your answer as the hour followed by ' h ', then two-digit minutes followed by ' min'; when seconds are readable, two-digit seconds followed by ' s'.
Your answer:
12 h 49 min
